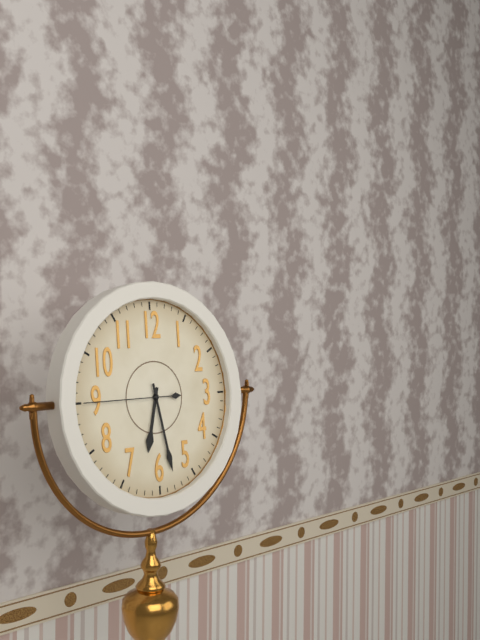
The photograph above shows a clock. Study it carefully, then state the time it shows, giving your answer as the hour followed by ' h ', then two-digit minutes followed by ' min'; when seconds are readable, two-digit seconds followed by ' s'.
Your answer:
6 h 28 min 45 s
